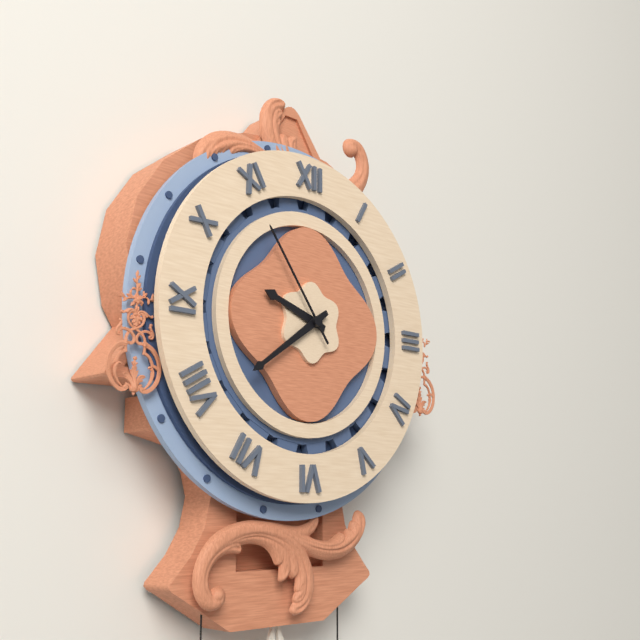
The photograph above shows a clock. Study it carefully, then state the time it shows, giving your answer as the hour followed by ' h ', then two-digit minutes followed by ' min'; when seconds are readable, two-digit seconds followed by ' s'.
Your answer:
9 h 39 min 54 s
